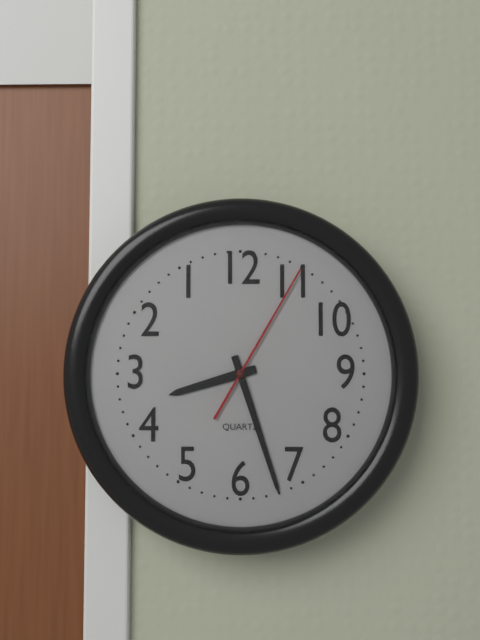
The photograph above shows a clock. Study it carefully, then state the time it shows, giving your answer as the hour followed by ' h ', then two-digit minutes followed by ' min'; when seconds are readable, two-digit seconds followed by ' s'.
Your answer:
8 h 27 min 05 s
